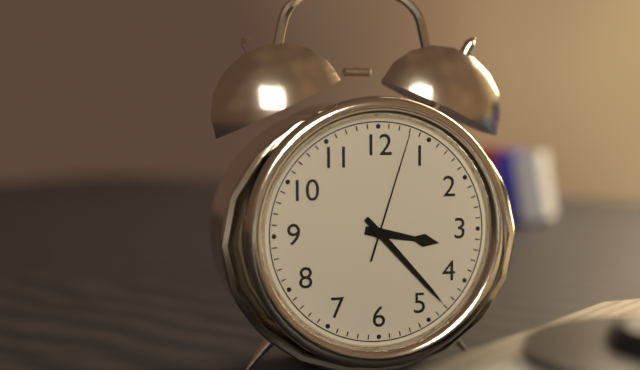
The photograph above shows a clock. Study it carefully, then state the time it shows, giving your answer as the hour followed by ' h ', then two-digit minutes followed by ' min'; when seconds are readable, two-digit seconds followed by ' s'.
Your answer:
3 h 23 min 03 s
